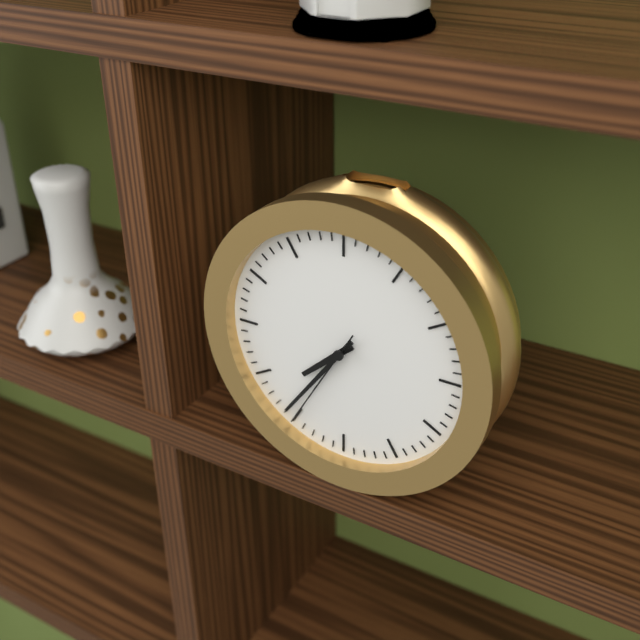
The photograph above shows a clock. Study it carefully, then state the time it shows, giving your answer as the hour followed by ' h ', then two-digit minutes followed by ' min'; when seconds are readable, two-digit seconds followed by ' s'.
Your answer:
7 h 36 min 35 s
